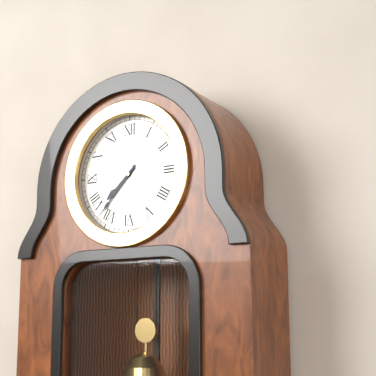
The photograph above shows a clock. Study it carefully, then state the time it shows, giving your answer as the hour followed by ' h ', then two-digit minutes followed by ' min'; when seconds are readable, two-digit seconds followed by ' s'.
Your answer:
7 h 37 min
